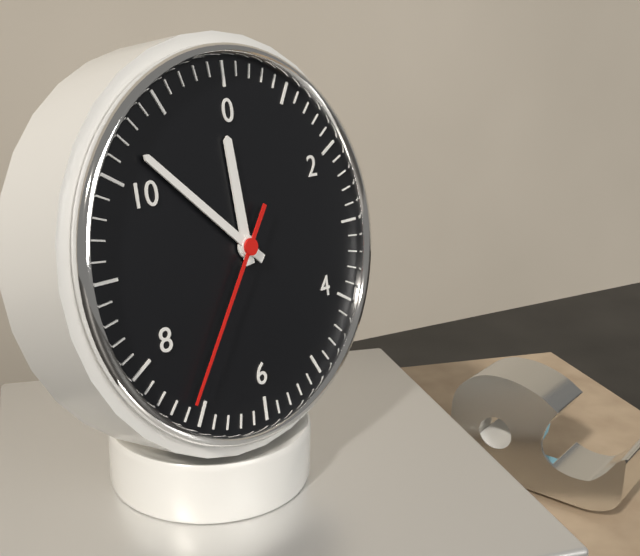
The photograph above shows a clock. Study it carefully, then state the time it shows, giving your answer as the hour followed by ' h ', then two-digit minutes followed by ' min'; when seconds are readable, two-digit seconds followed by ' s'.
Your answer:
11 h 52 min 36 s
